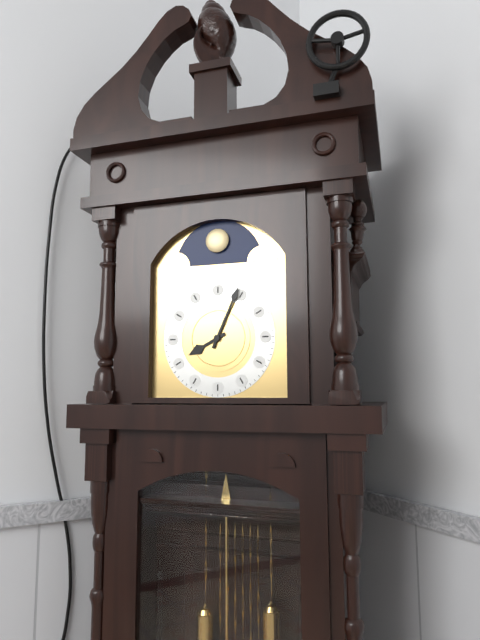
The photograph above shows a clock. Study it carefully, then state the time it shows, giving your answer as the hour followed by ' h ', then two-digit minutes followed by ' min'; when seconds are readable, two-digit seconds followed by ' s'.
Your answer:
8 h 04 min
